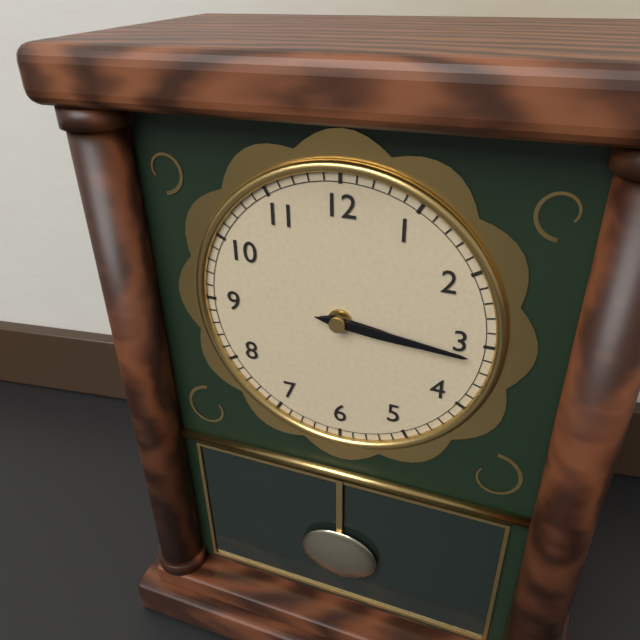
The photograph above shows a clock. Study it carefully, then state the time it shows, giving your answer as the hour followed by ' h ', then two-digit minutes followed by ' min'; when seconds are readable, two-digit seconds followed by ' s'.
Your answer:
3 h 16 min
